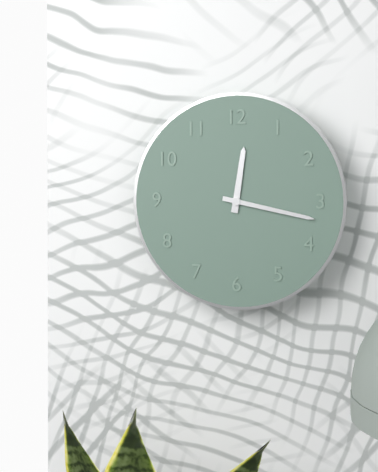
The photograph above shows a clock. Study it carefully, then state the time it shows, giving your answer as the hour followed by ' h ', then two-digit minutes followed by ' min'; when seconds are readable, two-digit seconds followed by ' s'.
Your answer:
12 h 17 min
